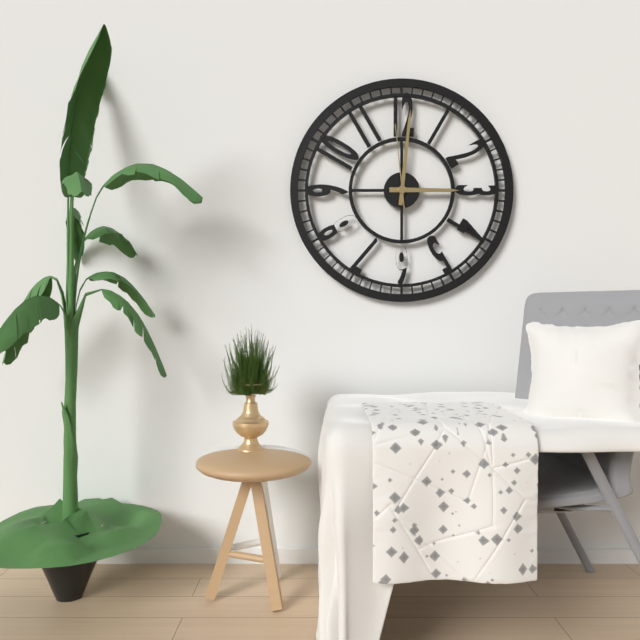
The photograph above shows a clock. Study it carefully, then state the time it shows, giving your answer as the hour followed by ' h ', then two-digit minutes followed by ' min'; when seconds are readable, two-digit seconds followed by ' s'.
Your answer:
3 h 01 min 59 s
